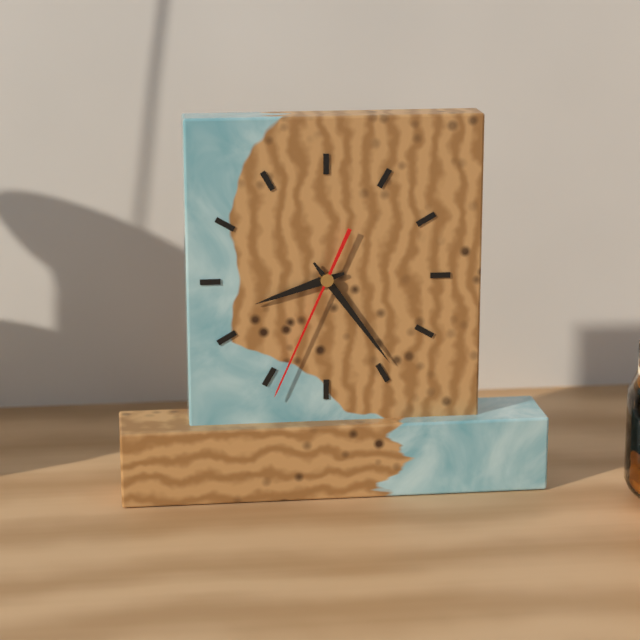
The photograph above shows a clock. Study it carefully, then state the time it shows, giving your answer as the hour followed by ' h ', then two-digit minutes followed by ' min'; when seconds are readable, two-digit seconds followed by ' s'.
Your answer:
8 h 24 min 34 s
